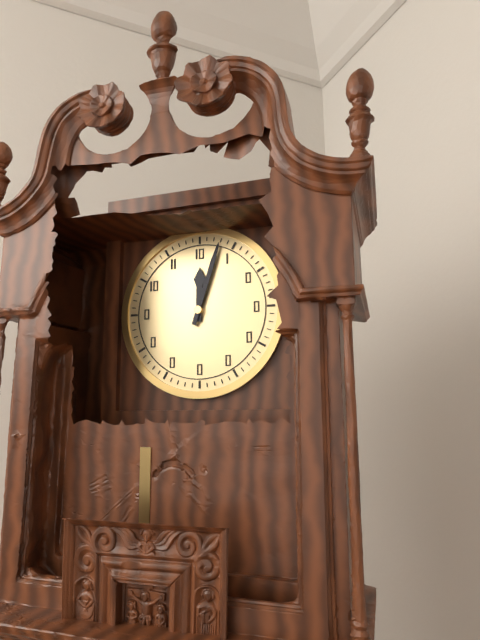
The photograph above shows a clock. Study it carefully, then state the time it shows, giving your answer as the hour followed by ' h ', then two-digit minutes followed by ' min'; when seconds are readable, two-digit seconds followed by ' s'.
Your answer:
12 h 03 min
